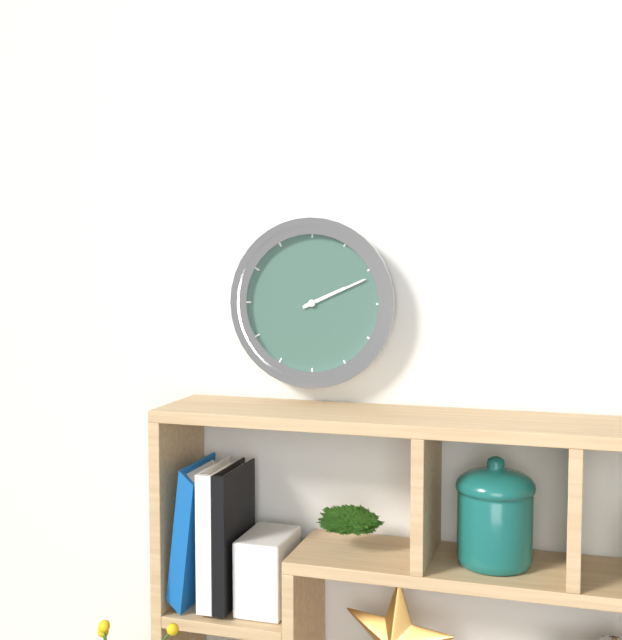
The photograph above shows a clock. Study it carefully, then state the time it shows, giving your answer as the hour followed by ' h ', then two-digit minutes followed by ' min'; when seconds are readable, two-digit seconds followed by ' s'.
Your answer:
2 h 11 min
